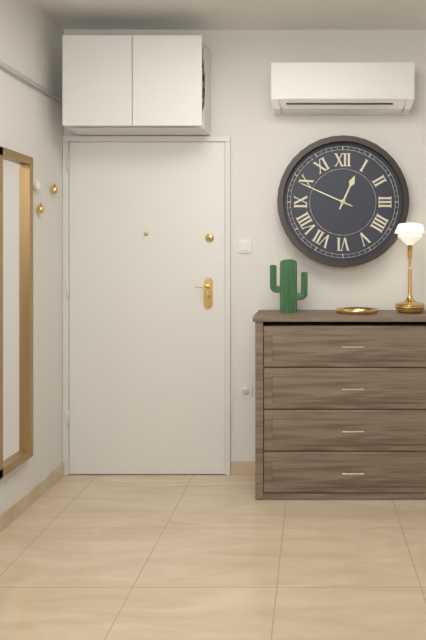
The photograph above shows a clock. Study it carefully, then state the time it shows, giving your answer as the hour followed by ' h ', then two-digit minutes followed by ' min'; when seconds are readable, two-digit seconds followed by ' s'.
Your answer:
12 h 49 min
